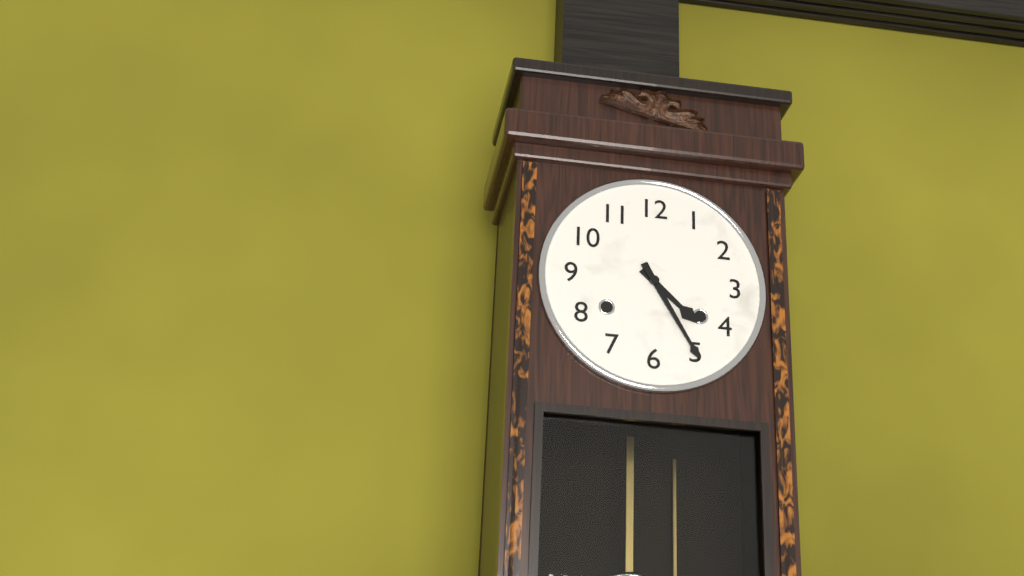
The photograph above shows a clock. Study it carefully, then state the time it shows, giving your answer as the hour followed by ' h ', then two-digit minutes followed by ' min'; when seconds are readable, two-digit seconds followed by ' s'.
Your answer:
4 h 25 min
